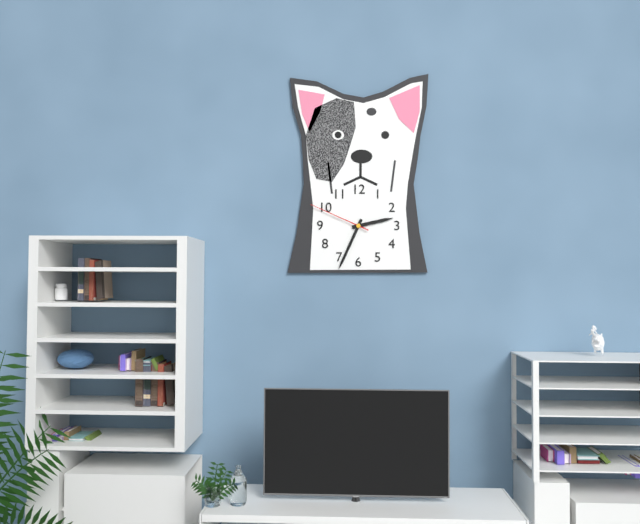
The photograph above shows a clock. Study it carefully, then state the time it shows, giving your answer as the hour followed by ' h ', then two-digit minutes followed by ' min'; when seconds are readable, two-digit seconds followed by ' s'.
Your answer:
2 h 34 min 49 s
